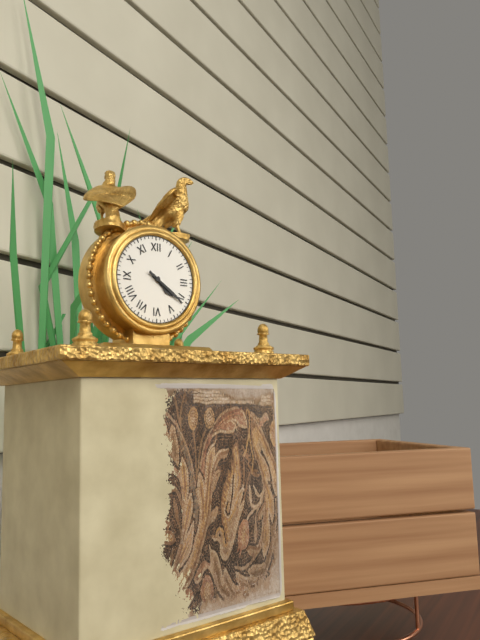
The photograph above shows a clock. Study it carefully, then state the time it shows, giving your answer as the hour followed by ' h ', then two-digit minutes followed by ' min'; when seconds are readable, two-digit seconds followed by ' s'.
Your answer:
4 h 21 min
